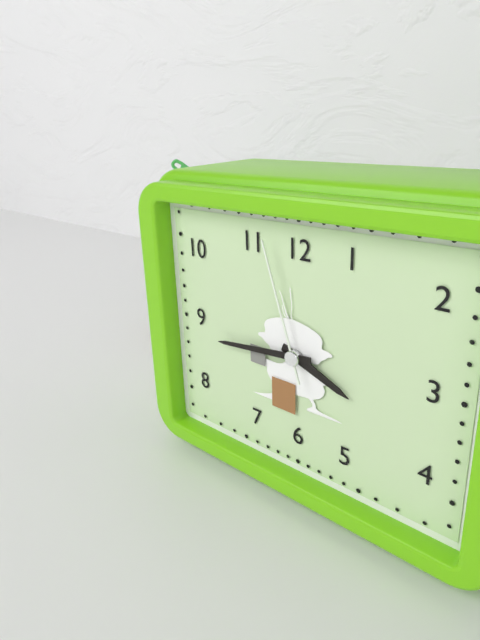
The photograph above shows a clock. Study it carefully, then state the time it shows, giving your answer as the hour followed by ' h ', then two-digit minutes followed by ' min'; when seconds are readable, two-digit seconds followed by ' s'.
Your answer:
3 h 44 min 57 s
